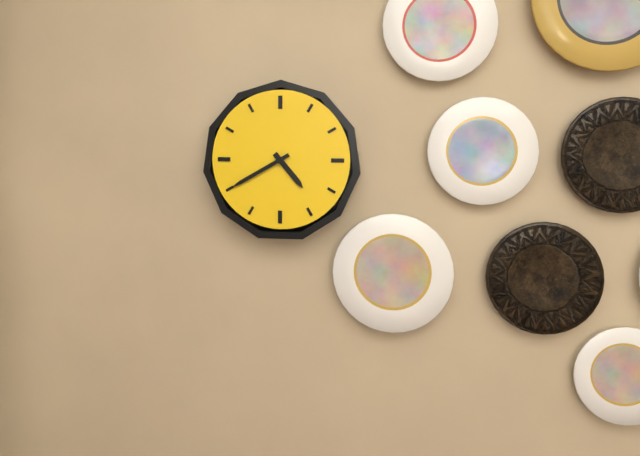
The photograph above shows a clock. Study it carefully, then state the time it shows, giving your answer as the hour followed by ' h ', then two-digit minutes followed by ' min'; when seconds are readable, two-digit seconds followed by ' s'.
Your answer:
4 h 40 min
